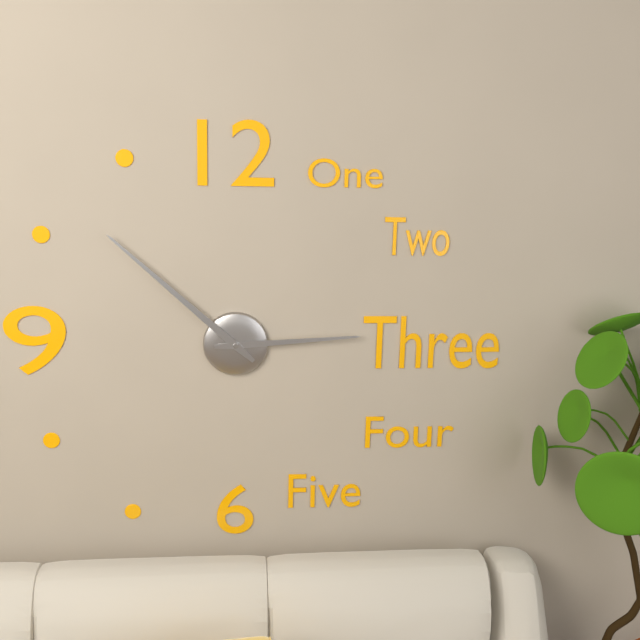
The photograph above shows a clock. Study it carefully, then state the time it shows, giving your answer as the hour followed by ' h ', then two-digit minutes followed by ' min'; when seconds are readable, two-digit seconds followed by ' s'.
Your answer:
2 h 52 min
